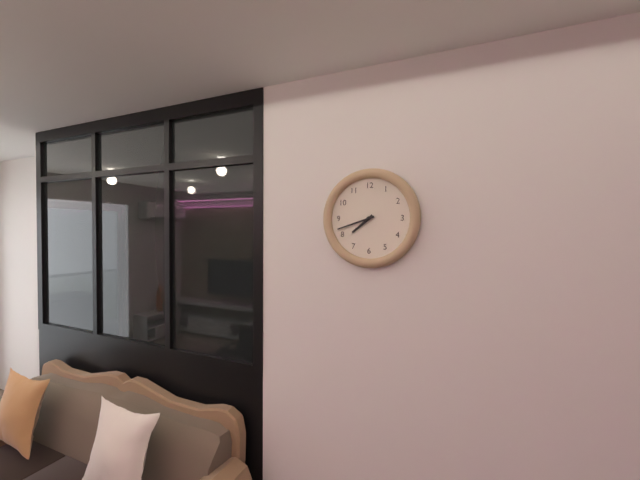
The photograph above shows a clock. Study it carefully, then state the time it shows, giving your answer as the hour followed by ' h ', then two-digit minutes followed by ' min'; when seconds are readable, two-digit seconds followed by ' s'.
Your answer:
7 h 42 min
